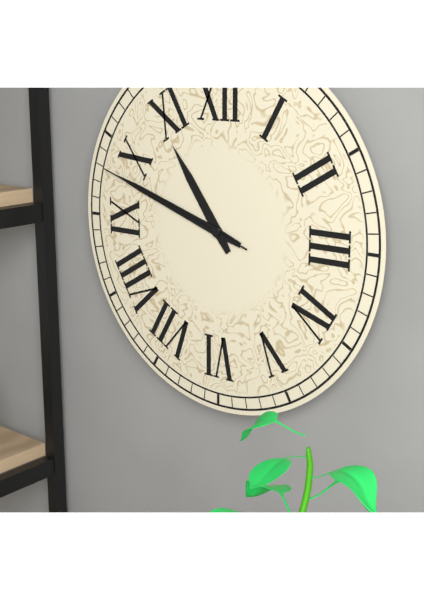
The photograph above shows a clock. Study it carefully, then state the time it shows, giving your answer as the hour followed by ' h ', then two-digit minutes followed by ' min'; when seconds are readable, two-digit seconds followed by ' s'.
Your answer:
10 h 48 min 48 s
